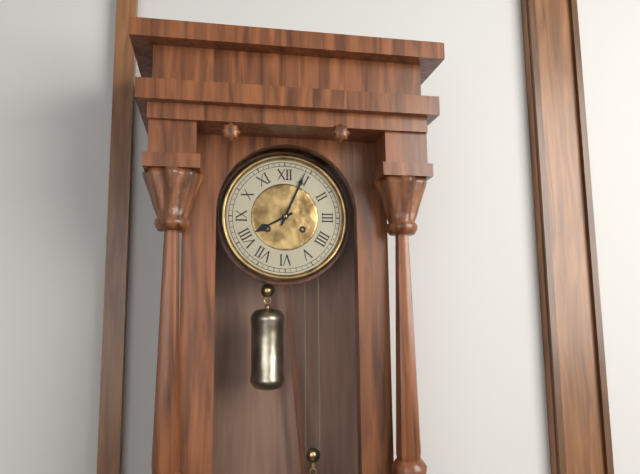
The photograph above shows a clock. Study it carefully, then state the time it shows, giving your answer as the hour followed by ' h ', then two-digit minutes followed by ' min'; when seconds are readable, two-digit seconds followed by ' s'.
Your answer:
8 h 04 min
